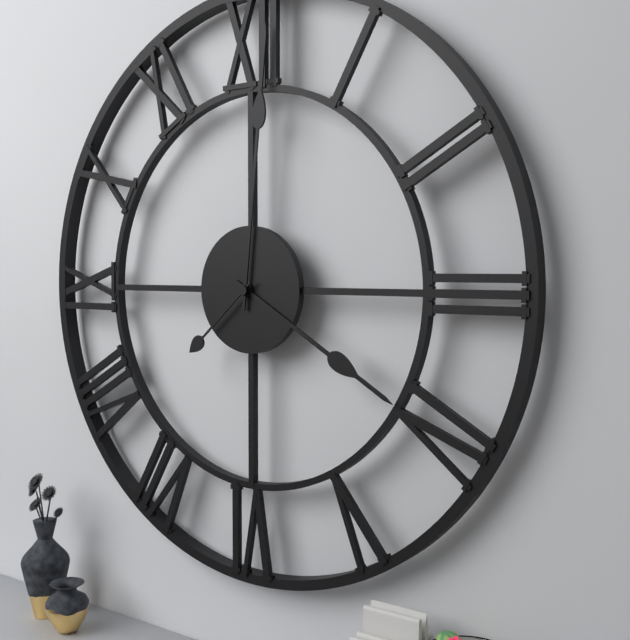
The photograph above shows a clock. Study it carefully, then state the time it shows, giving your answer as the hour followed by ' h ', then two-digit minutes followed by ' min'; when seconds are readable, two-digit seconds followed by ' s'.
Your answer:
4 h 01 min 38 s
